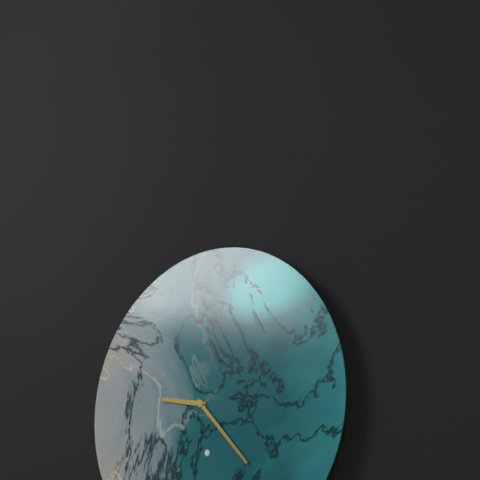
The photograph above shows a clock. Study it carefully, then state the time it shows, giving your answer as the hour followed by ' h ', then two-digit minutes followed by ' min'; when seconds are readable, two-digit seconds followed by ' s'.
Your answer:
9 h 23 min
